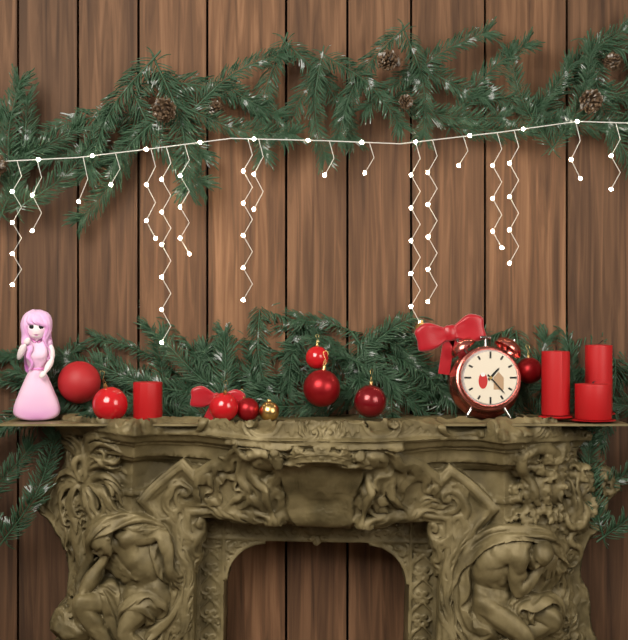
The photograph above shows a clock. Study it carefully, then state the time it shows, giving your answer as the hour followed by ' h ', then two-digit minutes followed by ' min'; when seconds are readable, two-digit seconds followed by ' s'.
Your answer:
1 h 23 min
